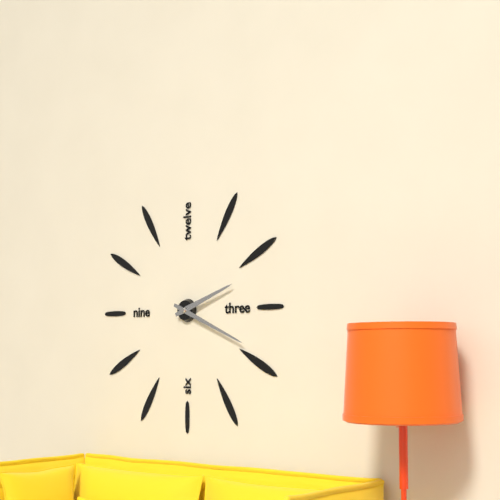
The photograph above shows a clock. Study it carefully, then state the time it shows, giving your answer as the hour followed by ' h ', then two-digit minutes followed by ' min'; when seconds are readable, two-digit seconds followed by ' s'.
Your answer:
2 h 19 min
